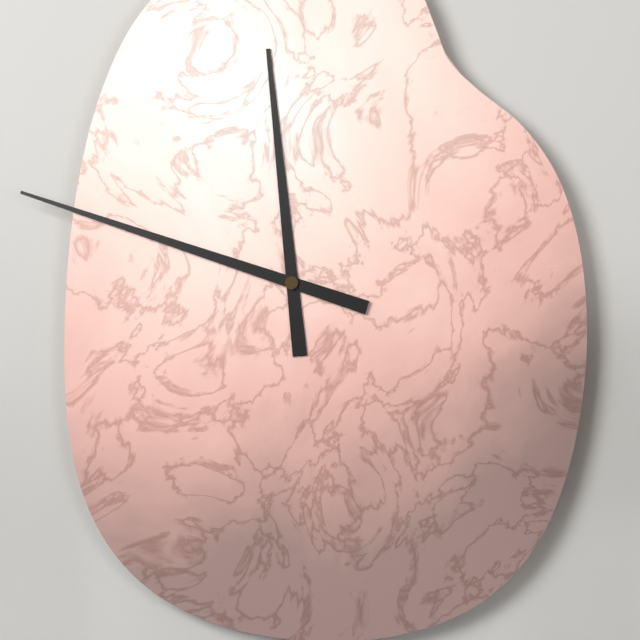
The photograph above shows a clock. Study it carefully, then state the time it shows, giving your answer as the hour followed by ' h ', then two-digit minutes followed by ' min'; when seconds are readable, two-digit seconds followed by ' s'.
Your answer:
11 h 48 min
